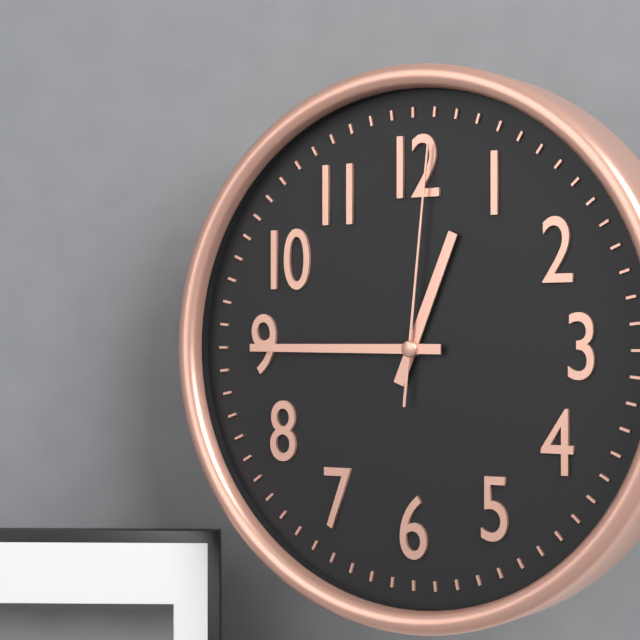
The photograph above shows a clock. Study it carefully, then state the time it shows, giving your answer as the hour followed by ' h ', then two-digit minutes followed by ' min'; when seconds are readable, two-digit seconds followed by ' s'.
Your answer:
12 h 45 min 01 s
